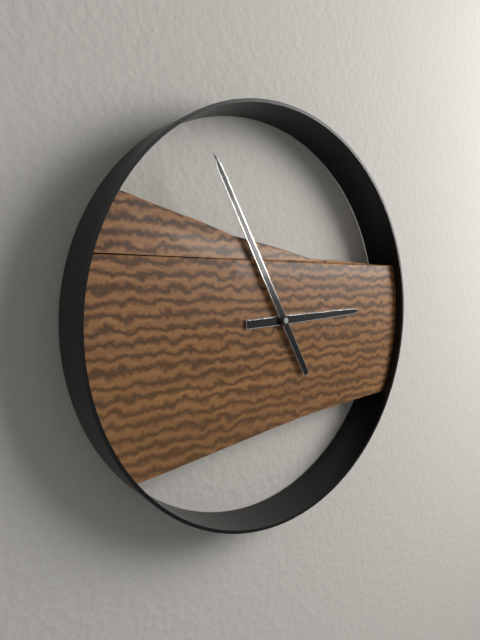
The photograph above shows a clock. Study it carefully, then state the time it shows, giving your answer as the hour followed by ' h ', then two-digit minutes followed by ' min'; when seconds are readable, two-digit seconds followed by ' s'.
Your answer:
2 h 55 min
